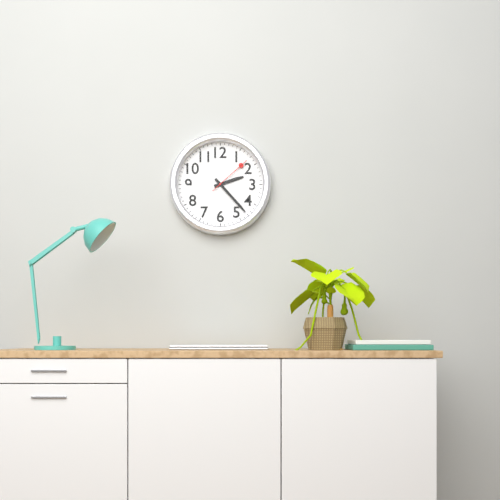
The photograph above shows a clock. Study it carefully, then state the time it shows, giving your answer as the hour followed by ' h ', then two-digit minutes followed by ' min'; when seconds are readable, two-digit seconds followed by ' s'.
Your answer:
2 h 23 min
